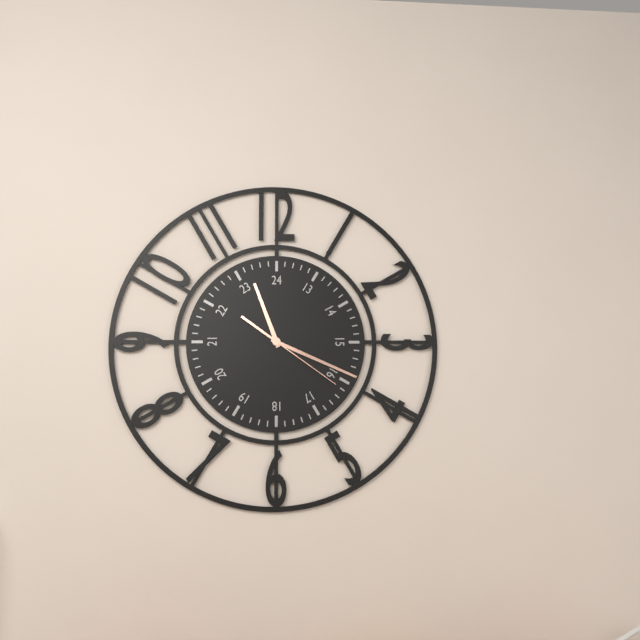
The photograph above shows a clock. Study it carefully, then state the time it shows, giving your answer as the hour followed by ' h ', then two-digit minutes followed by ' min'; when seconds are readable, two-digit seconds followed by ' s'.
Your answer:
11 h 19 min 21 s
